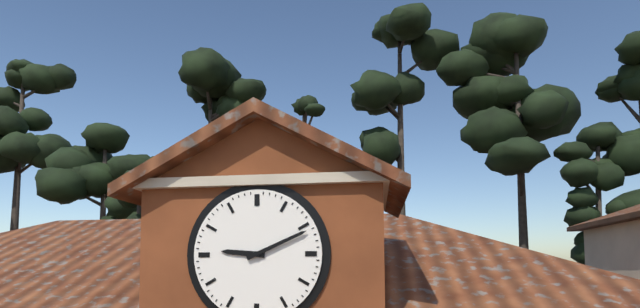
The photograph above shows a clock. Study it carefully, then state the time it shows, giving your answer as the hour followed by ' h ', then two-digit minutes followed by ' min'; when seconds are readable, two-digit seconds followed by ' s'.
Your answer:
9 h 11 min
